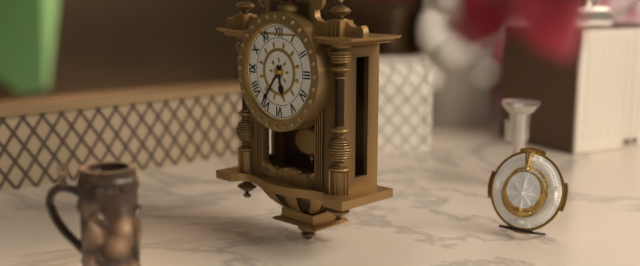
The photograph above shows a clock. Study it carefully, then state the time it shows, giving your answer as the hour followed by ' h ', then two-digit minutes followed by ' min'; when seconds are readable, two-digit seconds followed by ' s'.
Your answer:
5 h 36 min
